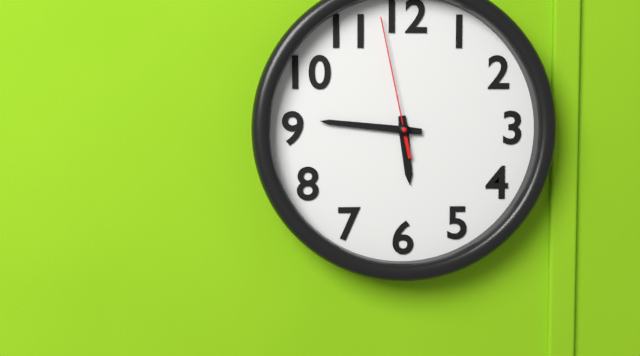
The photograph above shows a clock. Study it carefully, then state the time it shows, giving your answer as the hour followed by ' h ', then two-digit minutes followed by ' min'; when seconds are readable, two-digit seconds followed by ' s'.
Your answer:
5 h 46 min 58 s
